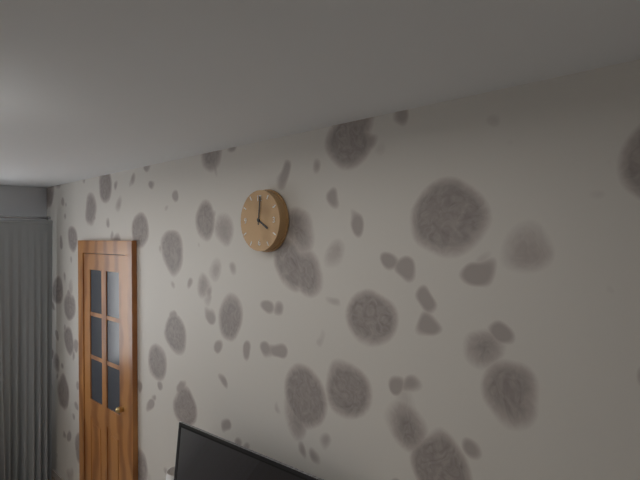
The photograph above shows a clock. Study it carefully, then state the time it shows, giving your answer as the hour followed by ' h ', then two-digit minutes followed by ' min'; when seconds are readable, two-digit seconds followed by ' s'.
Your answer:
4 h 01 min
